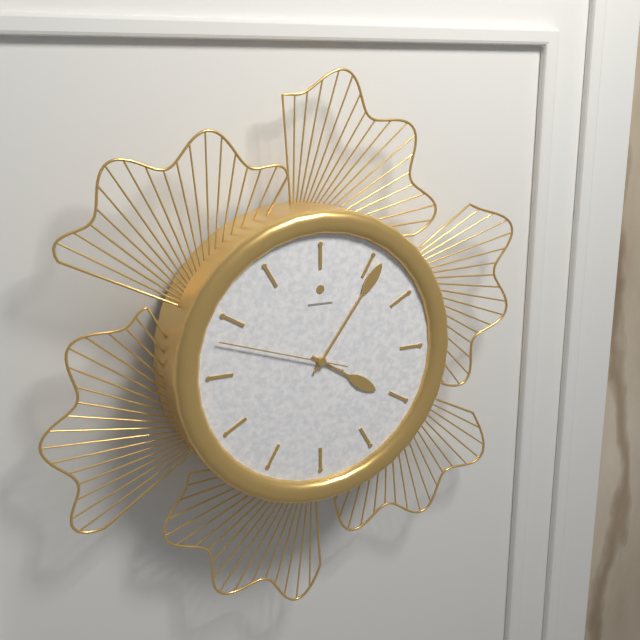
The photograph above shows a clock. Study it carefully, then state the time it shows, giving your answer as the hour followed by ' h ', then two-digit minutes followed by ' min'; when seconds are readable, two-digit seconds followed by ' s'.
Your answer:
4 h 06 min 48 s
